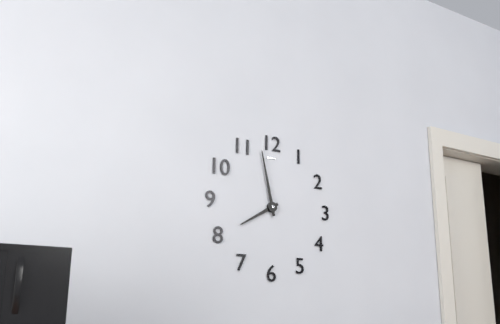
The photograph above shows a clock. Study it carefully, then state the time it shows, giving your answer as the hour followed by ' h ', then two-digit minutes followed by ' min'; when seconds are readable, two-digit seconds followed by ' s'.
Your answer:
7 h 58 min
